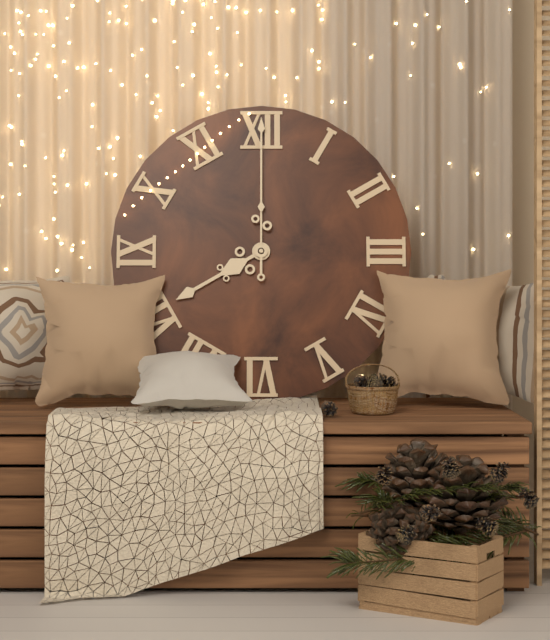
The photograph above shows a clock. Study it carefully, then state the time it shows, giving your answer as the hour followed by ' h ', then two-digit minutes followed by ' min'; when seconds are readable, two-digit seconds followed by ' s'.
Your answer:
8 h 00 min
